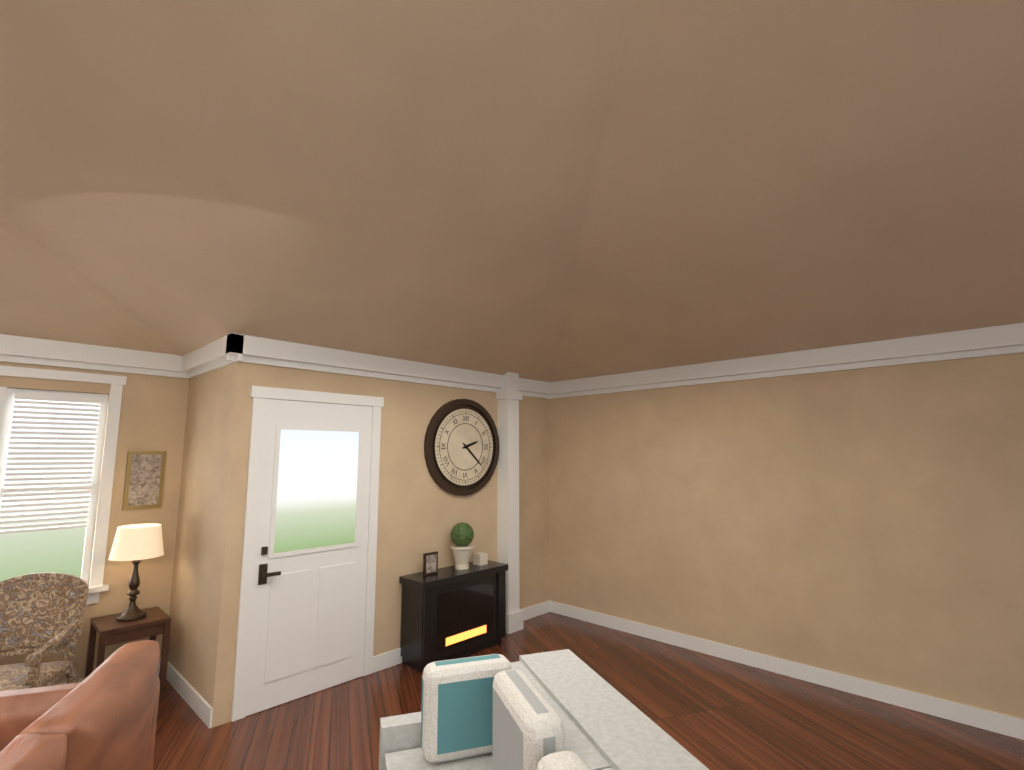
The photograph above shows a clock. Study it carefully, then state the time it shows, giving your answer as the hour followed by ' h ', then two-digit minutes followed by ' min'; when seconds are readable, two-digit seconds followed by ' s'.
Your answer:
2 h 22 min
